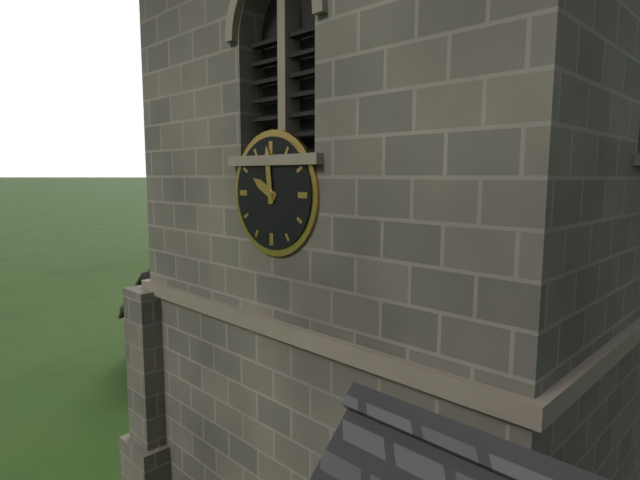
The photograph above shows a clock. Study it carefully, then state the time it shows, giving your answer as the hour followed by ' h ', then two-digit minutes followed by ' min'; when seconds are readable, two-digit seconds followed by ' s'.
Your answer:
9 h 59 min
